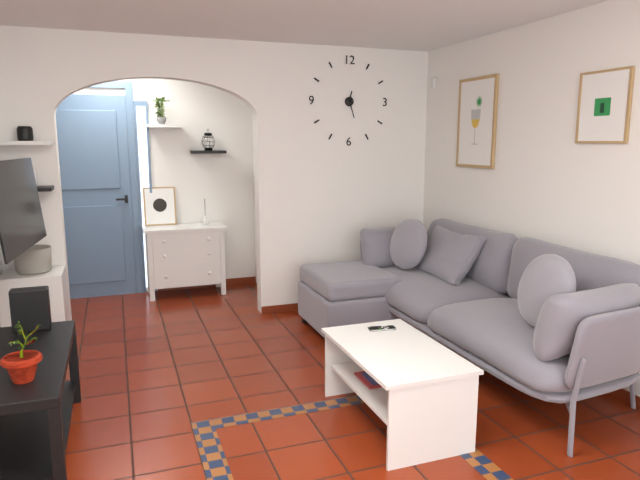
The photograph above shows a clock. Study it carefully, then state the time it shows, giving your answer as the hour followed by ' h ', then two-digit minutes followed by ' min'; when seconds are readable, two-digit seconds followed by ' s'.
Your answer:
12 h 27 min
